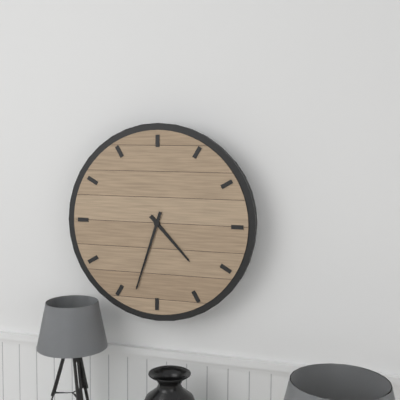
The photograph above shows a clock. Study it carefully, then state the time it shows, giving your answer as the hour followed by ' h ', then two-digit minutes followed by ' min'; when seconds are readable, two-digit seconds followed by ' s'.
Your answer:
4 h 33 min
